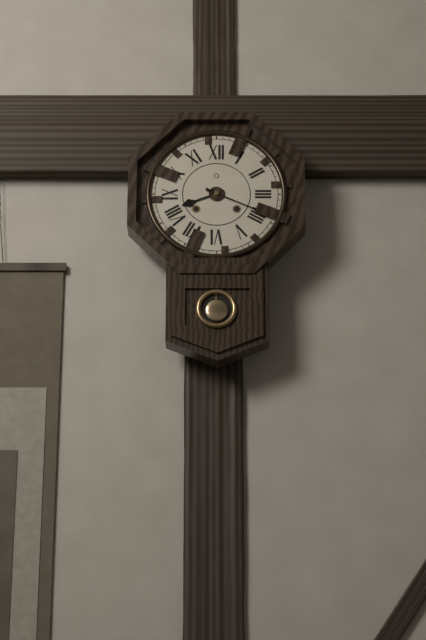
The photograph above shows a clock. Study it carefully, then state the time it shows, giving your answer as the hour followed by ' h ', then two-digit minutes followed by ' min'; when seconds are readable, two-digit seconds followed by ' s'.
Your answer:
8 h 19 min
